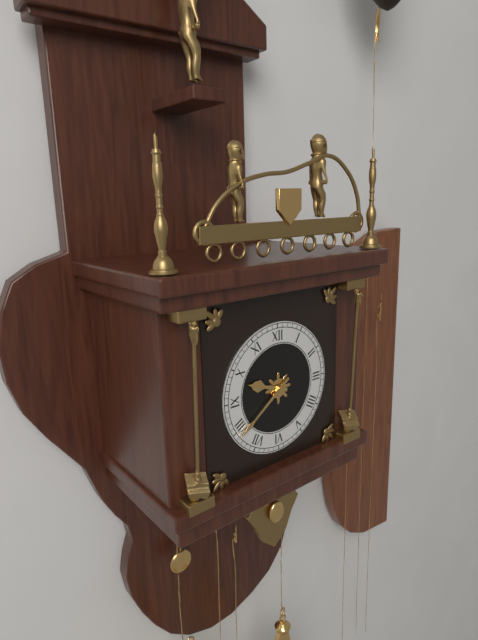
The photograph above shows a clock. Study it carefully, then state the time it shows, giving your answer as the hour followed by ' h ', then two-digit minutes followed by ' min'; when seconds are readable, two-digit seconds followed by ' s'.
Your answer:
9 h 39 min
